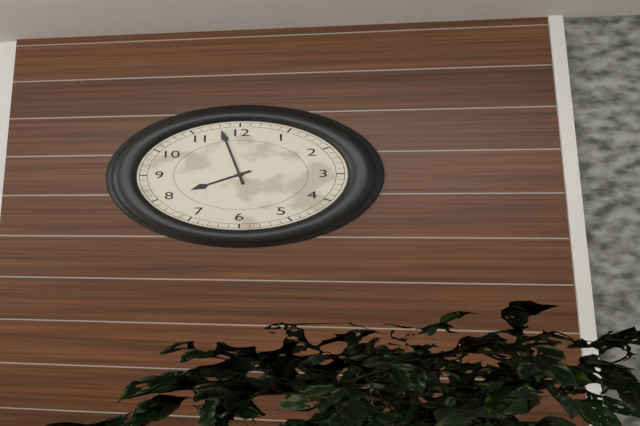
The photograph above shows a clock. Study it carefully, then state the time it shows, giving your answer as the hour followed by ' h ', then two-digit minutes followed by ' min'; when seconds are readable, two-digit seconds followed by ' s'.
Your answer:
7 h 58 min
